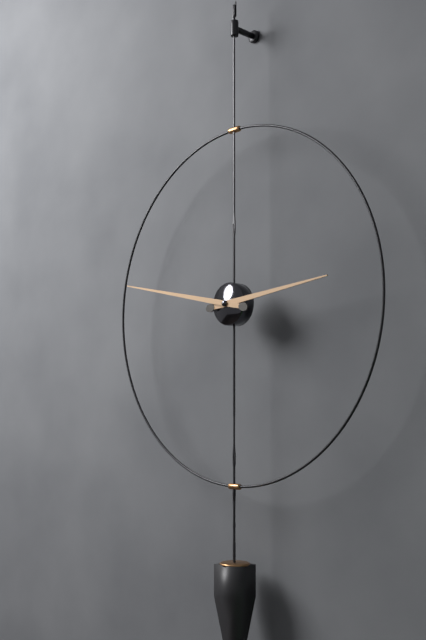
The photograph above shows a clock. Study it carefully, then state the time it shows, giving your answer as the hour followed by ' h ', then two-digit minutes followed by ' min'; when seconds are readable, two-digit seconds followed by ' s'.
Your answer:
2 h 47 min
